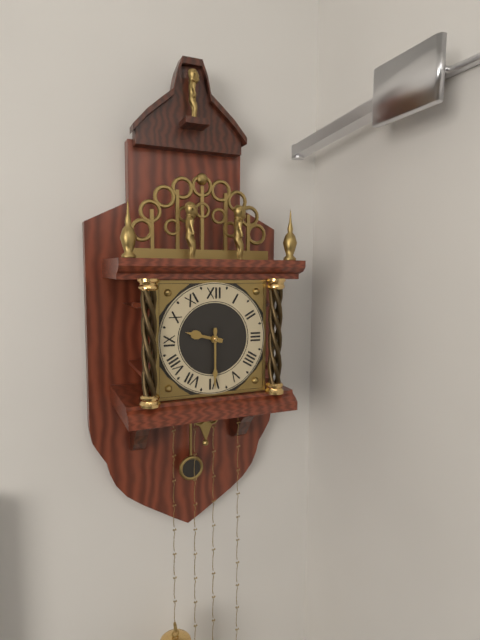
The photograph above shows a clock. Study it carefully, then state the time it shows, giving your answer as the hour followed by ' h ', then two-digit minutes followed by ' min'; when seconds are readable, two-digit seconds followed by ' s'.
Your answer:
9 h 30 min
